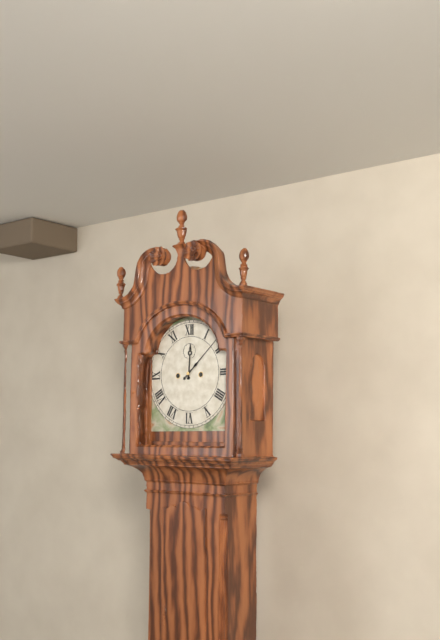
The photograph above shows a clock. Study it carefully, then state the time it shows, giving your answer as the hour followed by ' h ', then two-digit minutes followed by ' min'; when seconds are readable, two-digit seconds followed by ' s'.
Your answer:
12 h 08 min
